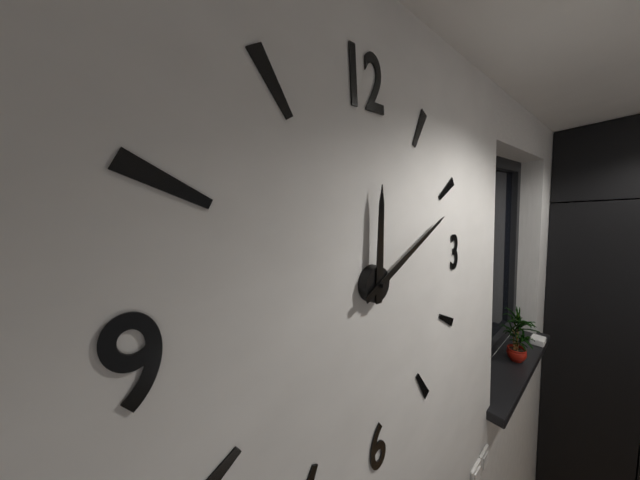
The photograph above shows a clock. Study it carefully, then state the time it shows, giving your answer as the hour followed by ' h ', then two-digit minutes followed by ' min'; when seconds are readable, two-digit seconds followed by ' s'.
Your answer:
12 h 11 min
